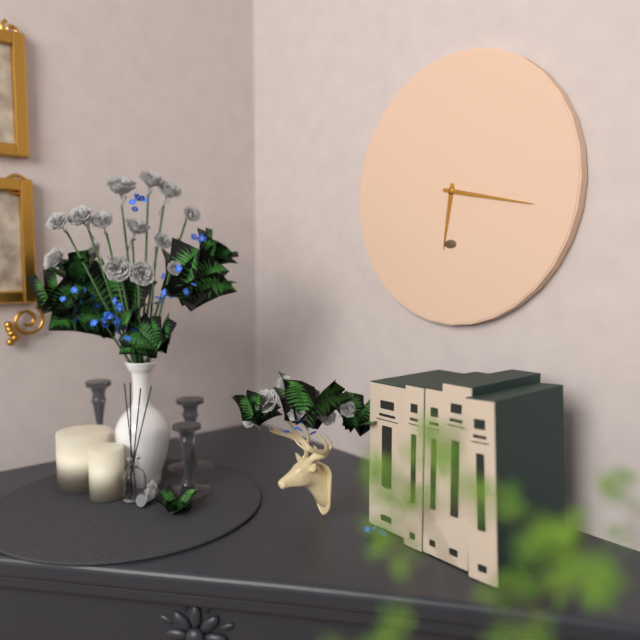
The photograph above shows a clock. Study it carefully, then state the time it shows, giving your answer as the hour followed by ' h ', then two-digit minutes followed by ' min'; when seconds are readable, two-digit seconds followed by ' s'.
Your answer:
6 h 17 min
